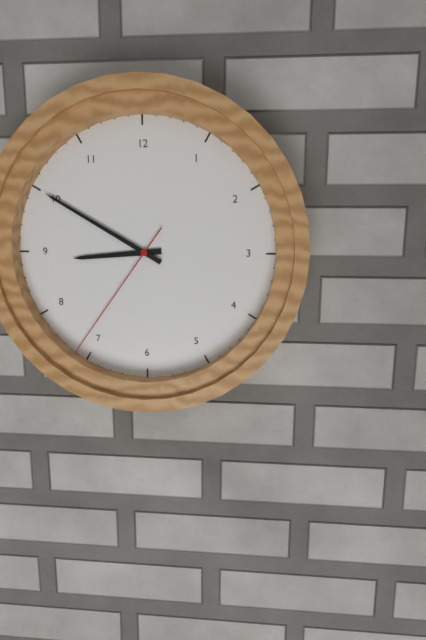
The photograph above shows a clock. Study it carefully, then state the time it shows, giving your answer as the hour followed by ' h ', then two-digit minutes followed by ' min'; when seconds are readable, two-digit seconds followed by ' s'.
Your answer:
8 h 50 min 36 s
